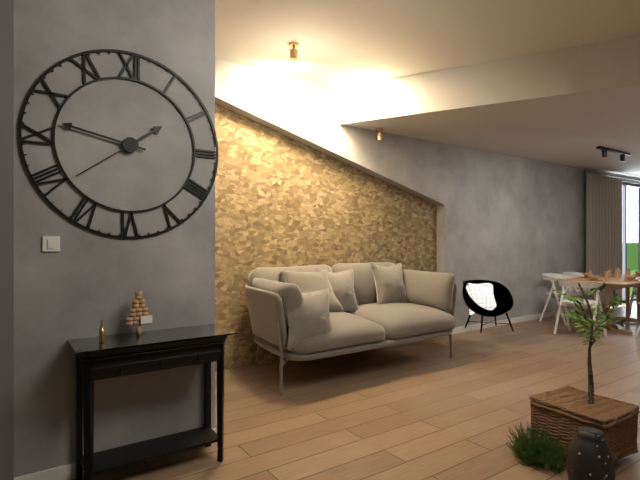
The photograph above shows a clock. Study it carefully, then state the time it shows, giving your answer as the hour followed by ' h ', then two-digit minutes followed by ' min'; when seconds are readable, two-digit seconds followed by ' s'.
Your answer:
1 h 47 min 39 s
